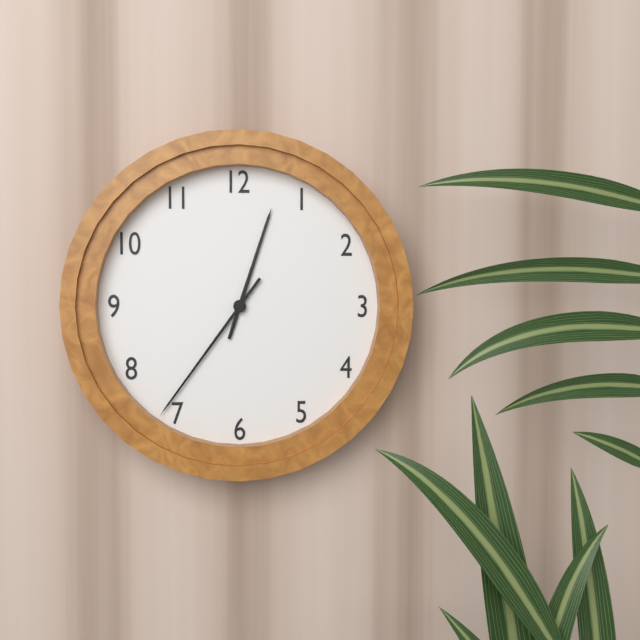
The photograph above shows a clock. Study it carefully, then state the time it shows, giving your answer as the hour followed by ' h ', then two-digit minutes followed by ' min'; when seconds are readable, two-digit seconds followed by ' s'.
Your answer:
12 h 36 min
